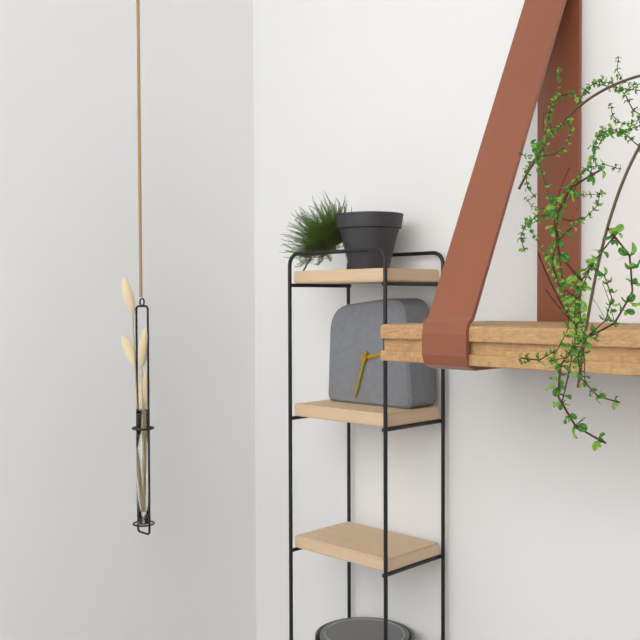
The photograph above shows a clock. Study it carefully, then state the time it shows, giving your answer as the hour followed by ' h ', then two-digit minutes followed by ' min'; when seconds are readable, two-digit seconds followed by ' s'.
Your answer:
2 h 33 min
